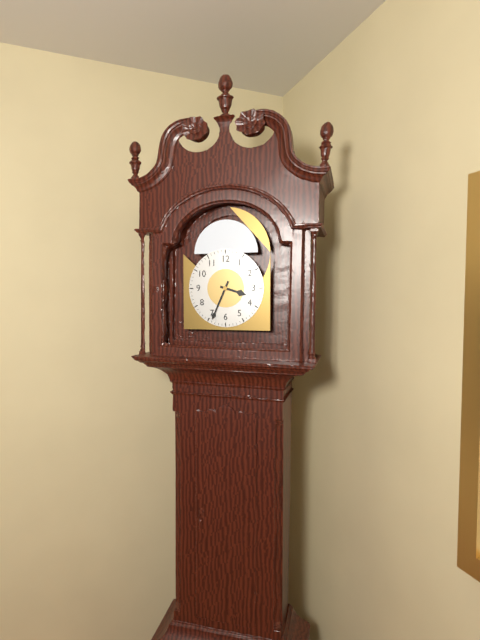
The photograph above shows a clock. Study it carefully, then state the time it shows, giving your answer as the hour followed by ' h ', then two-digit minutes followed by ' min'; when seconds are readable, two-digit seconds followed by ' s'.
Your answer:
3 h 34 min
